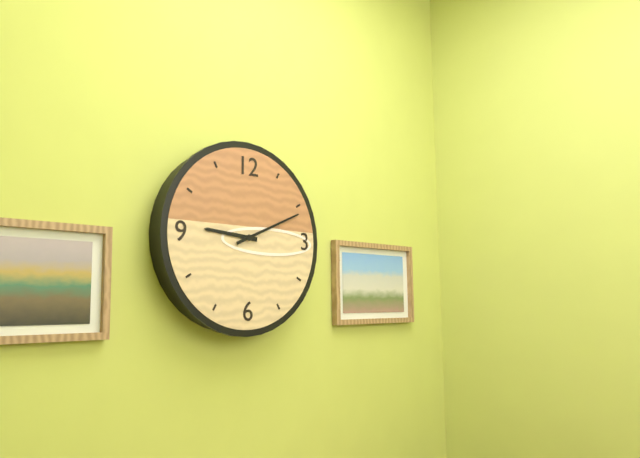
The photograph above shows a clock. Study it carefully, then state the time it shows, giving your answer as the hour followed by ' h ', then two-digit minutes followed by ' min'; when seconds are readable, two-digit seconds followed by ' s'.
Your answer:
9 h 11 min
